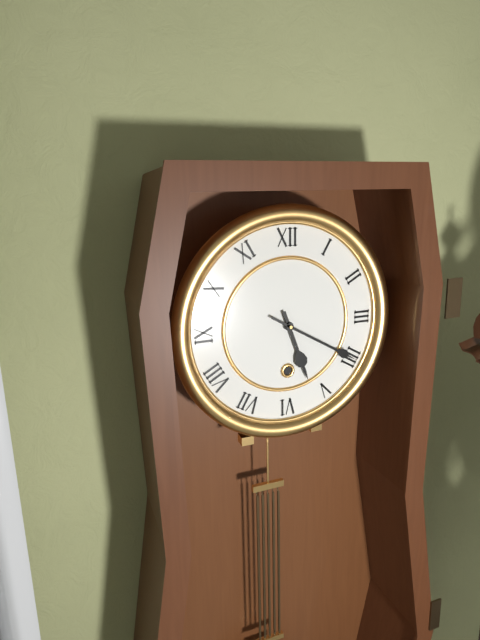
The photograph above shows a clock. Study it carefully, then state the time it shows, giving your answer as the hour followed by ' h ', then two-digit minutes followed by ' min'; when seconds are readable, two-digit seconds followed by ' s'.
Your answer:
5 h 20 min
